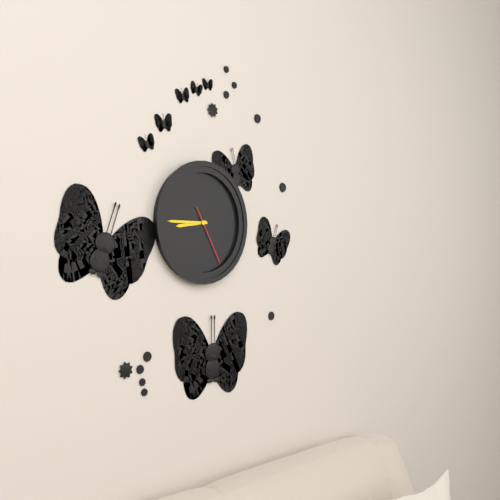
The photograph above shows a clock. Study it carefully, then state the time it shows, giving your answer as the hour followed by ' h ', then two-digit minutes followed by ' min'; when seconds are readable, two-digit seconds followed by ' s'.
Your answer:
8 h 45 min 25 s
